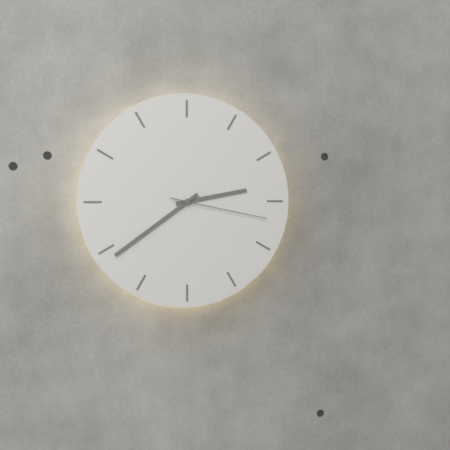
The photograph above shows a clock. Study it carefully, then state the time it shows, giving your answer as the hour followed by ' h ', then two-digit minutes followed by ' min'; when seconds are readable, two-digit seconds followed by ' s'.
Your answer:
2 h 39 min 17 s
